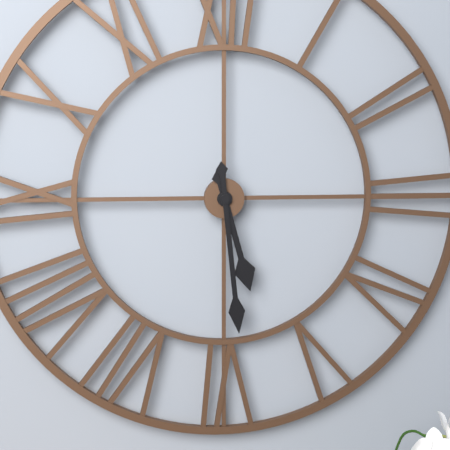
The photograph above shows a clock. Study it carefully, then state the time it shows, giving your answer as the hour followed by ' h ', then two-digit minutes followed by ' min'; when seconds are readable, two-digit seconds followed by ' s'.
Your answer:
5 h 29 min
